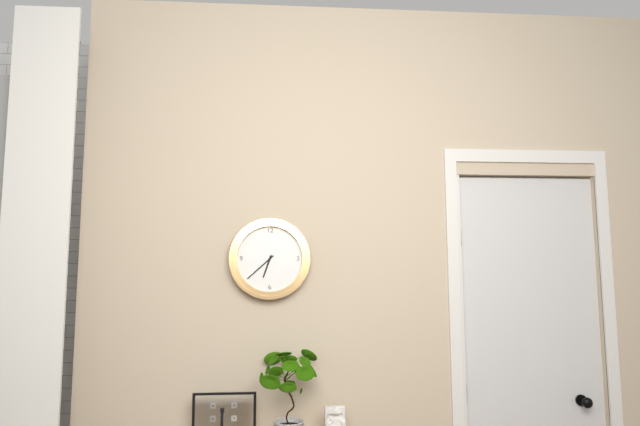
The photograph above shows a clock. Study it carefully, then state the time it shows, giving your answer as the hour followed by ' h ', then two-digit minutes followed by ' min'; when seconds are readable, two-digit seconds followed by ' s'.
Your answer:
6 h 38 min
